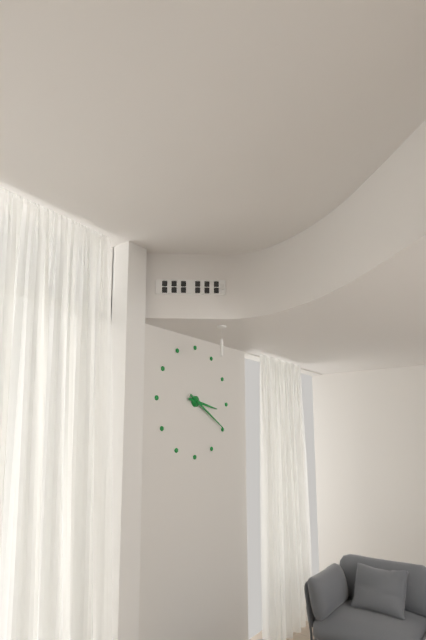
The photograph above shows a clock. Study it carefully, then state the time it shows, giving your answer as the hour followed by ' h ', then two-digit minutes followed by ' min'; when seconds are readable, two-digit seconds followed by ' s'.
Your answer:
3 h 20 min
